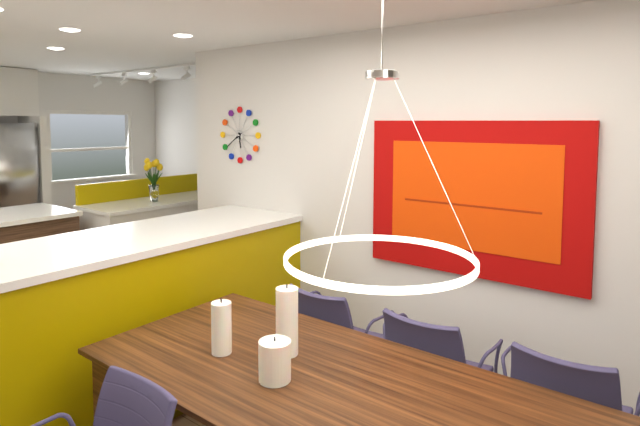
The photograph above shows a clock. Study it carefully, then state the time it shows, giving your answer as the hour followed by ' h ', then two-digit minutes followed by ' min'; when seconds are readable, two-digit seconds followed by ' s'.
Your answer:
5 h 39 min
